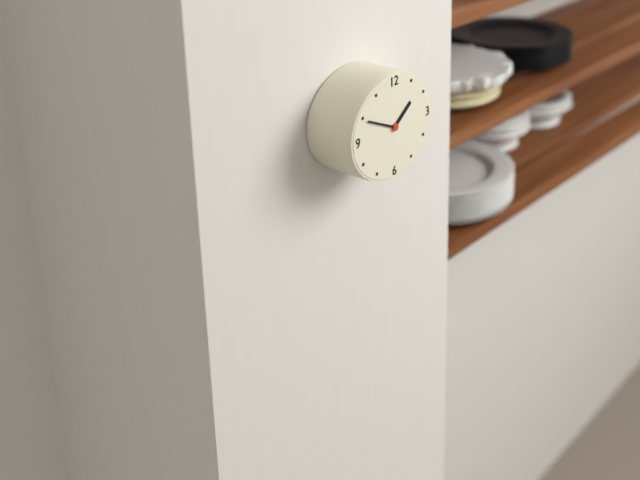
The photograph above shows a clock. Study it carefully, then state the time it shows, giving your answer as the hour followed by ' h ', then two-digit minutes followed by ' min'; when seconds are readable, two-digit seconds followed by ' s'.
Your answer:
1 h 49 min
